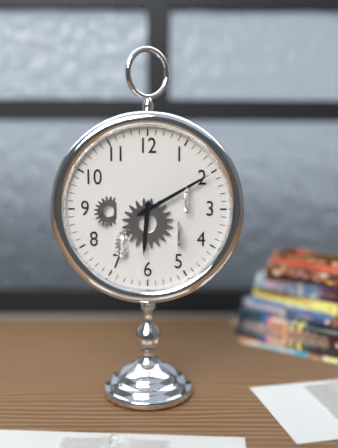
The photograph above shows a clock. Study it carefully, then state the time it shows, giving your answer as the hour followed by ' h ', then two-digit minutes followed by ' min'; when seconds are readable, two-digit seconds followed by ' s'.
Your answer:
6 h 10 min
